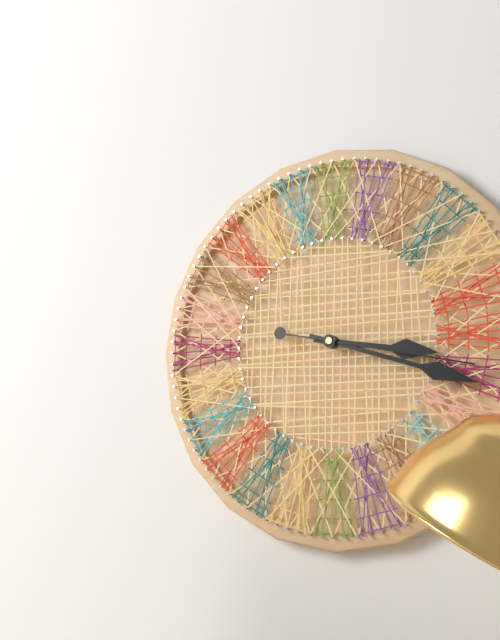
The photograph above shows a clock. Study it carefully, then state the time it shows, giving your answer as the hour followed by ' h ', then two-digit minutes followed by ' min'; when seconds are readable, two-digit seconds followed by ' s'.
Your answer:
3 h 18 min 17 s
